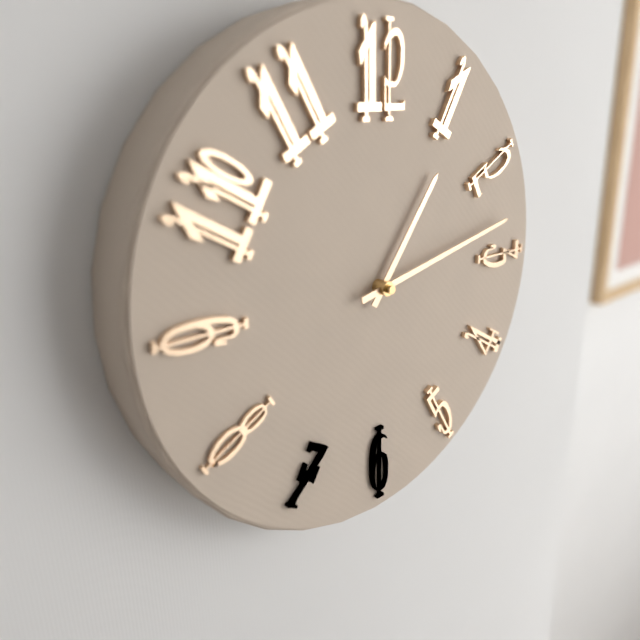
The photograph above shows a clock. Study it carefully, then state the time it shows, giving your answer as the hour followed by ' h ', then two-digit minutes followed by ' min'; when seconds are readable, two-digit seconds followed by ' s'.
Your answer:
1 h 13 min
